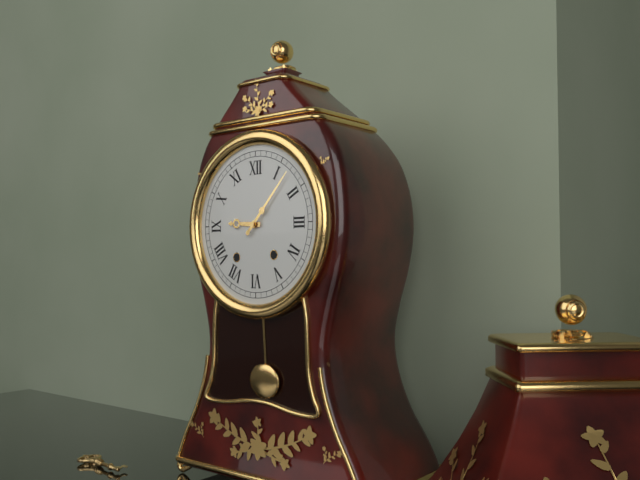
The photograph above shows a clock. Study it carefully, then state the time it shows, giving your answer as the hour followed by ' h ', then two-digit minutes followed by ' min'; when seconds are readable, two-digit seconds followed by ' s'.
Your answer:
9 h 07 min
